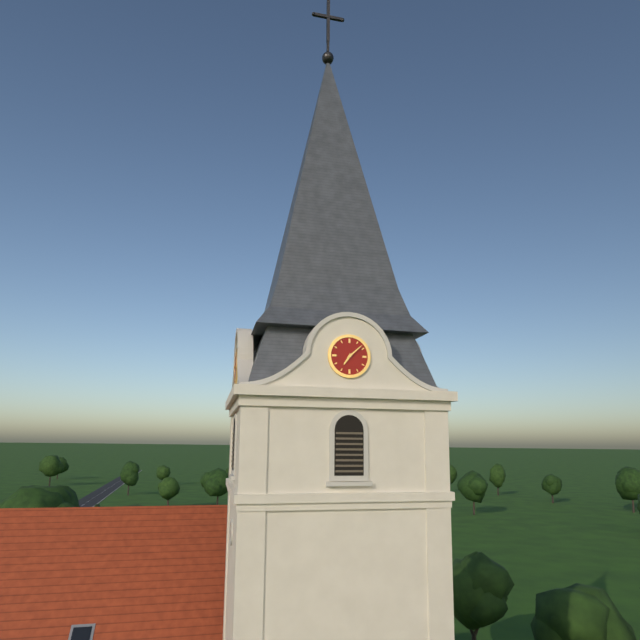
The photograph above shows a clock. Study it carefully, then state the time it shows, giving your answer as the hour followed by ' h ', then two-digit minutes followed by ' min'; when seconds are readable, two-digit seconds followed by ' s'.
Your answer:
7 h 08 min
